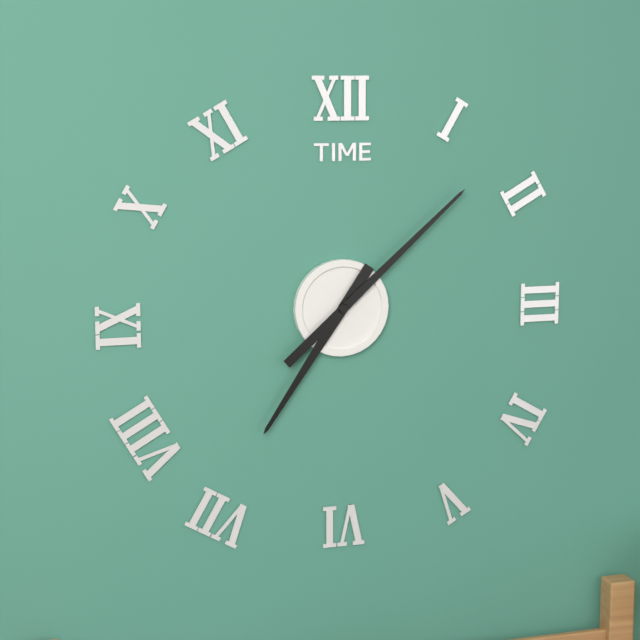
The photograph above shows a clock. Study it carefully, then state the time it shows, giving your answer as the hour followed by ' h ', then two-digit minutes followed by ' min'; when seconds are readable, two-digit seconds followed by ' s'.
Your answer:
7 h 08 min
